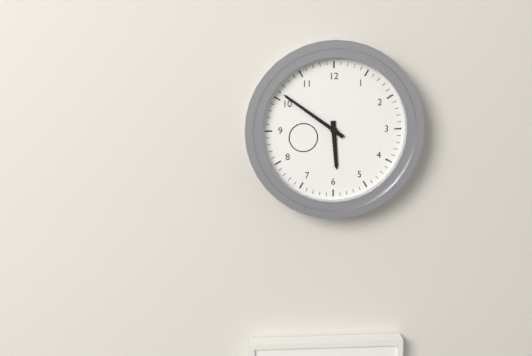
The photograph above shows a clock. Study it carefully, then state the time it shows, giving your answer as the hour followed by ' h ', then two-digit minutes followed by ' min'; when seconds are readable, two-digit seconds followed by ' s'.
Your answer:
5 h 51 min
